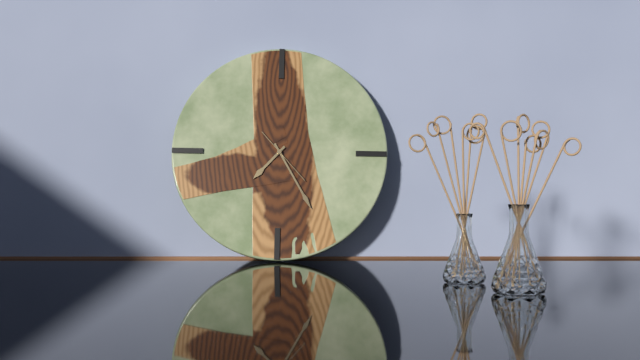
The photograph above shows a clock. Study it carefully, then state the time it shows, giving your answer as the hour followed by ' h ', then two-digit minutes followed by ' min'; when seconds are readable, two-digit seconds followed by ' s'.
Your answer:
7 h 25 min
